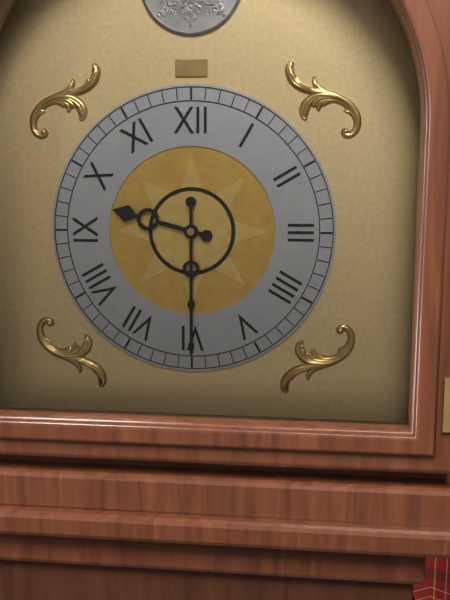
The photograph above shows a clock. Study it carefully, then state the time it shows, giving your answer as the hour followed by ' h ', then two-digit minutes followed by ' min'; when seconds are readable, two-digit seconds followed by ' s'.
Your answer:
9 h 30 min
